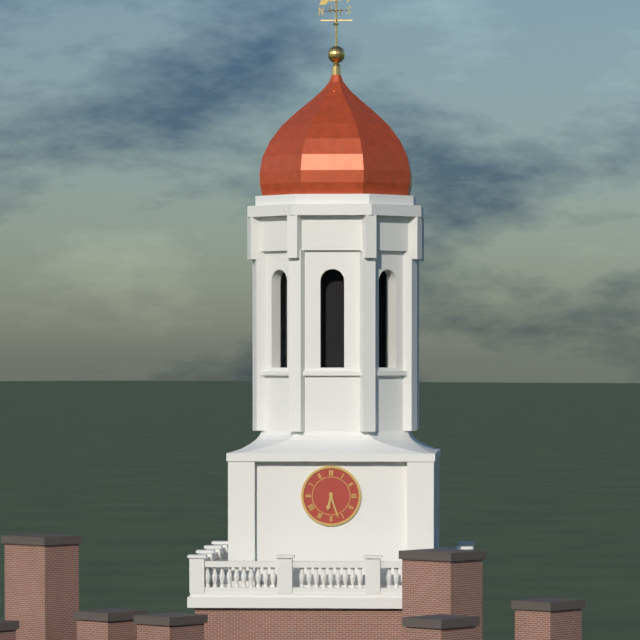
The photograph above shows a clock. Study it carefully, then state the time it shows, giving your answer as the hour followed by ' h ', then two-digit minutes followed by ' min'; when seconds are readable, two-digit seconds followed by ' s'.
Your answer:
6 h 27 min
